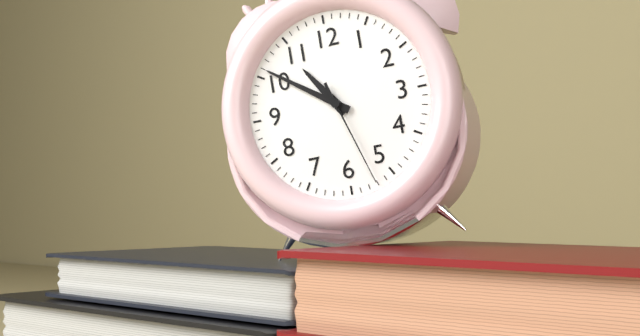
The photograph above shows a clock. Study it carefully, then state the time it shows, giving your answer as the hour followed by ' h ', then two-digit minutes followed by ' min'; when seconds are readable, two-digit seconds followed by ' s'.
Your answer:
10 h 51 min 27 s
